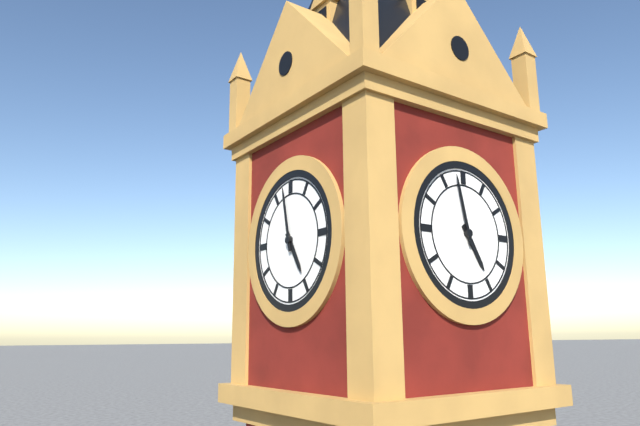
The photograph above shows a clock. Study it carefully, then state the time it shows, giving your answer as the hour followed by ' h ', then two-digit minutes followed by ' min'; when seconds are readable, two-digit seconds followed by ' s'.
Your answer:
4 h 58 min
